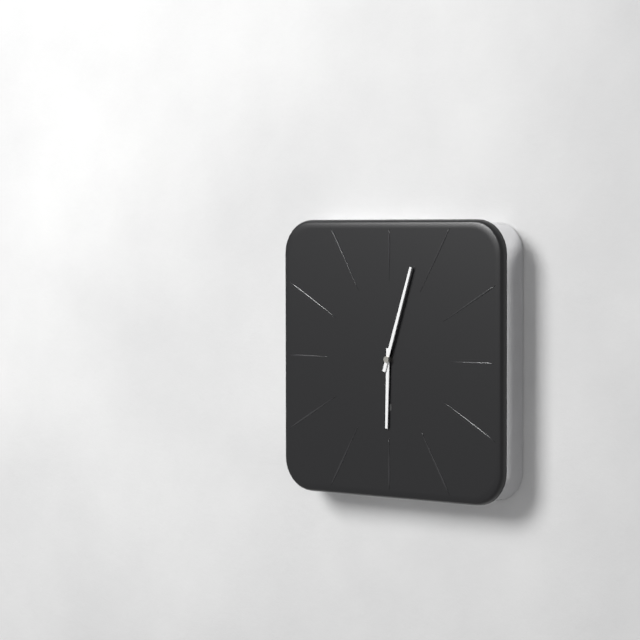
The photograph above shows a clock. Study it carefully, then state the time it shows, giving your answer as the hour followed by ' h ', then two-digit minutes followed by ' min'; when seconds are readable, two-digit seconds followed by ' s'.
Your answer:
6 h 03 min
